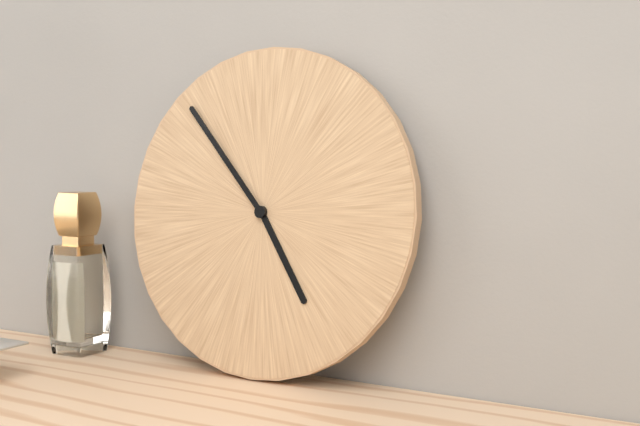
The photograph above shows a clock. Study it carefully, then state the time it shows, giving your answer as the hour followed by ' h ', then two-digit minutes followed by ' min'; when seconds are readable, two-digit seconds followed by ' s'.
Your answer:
4 h 53 min
